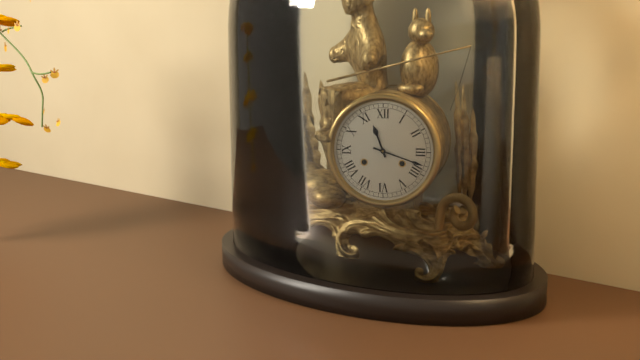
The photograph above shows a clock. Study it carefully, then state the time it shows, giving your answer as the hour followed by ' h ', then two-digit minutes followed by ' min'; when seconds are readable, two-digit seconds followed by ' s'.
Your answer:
11 h 18 min
